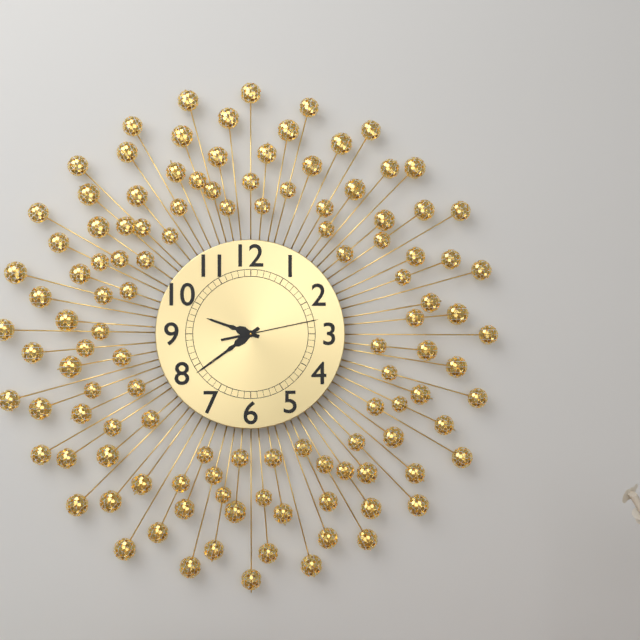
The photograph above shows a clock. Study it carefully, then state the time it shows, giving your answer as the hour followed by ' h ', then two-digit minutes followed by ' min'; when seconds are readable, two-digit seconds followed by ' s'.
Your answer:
9 h 39 min 13 s
